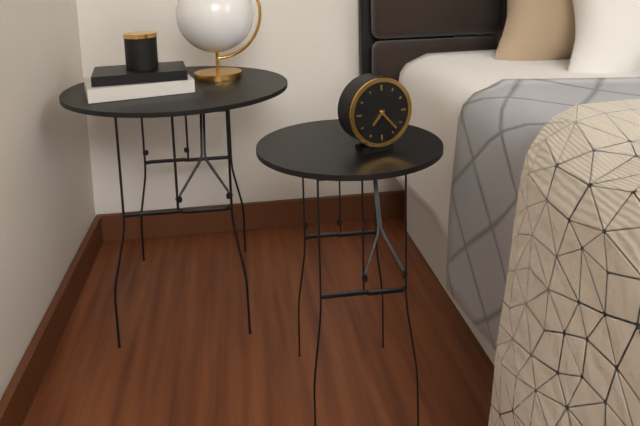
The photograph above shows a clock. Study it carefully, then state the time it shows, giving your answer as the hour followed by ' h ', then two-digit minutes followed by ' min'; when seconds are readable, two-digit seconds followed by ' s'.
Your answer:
7 h 23 min
